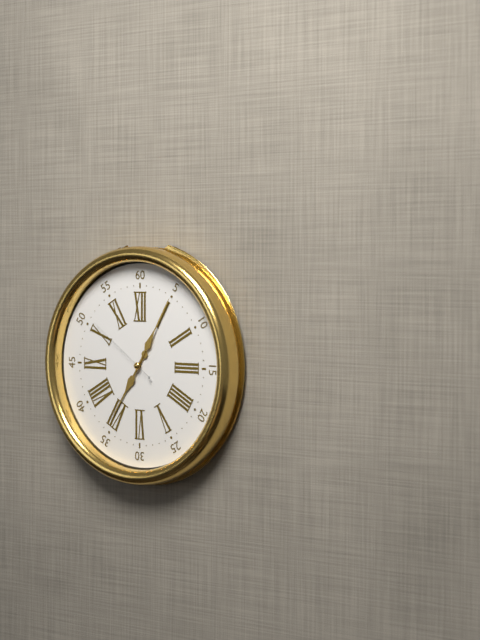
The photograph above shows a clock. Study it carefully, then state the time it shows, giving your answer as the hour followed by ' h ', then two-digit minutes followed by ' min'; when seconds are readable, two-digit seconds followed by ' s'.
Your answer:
7 h 05 min 51 s
